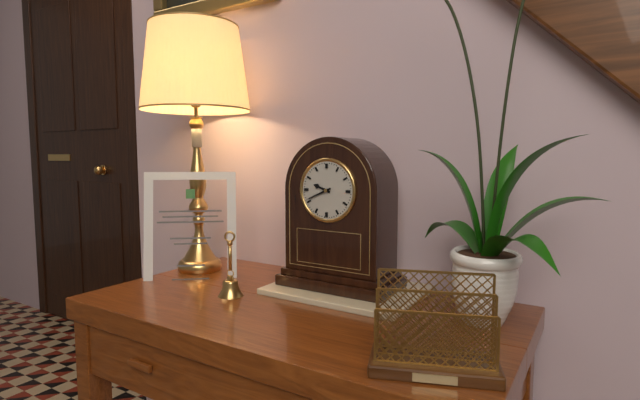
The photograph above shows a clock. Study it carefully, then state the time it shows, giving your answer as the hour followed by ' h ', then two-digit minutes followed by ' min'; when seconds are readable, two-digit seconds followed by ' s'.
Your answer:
9 h 41 min
